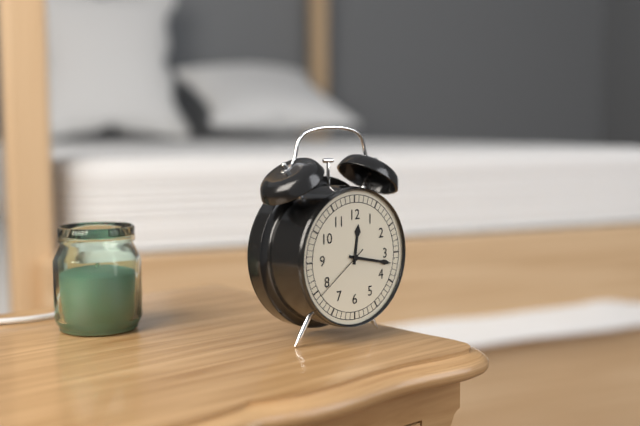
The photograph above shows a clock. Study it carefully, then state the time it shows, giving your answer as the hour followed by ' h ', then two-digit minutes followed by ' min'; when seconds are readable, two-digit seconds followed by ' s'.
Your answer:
12 h 17 min 39 s
